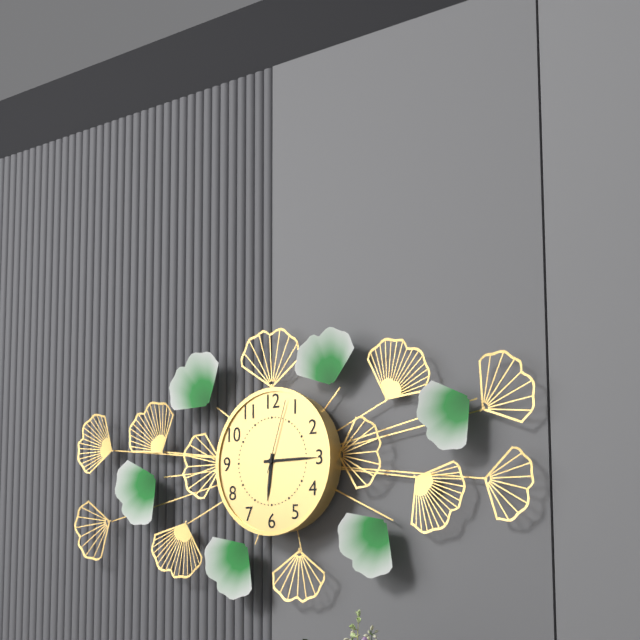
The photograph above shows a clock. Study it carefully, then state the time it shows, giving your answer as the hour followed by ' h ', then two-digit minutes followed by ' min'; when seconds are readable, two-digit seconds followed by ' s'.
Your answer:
6 h 15 min 03 s
